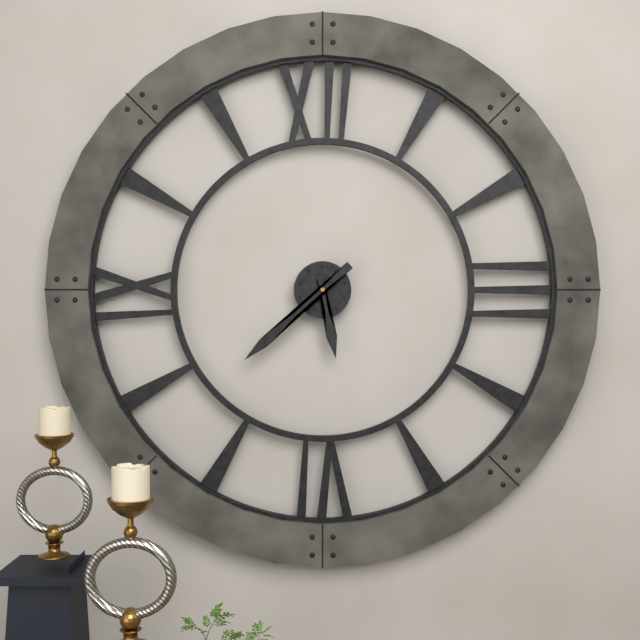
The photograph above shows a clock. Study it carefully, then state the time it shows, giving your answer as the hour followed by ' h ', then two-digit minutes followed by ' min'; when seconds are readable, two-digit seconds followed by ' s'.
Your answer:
5 h 38 min
